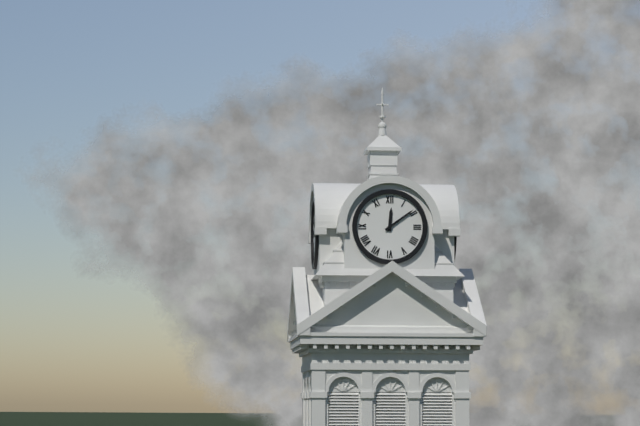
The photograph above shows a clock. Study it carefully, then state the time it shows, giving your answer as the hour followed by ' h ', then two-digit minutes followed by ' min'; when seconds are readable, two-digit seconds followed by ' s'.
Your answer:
12 h 09 min
